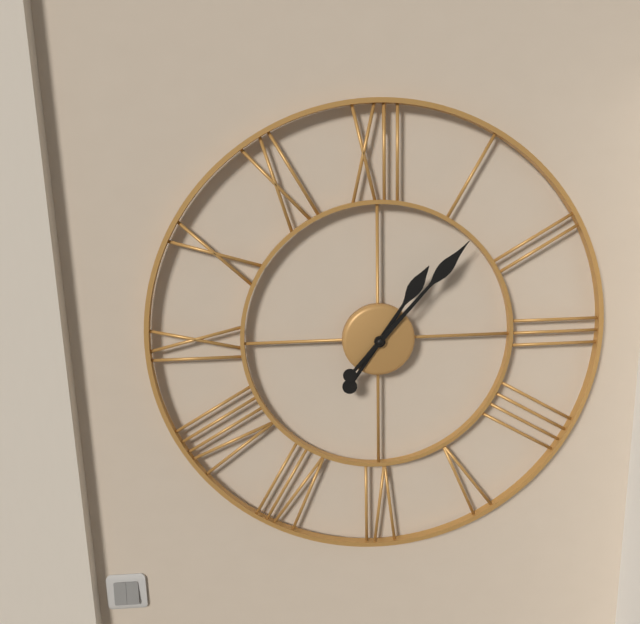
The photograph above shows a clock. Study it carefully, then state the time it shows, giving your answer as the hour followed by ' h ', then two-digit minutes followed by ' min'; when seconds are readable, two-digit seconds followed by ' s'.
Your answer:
1 h 07 min
